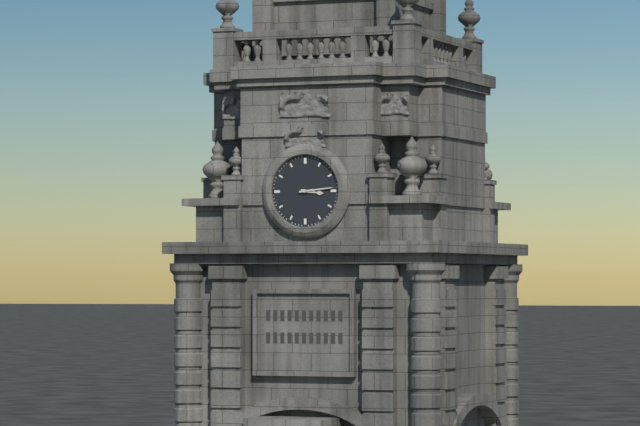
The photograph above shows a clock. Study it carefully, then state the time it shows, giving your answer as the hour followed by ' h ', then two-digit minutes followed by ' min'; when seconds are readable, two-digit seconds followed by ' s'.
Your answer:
3 h 14 min
